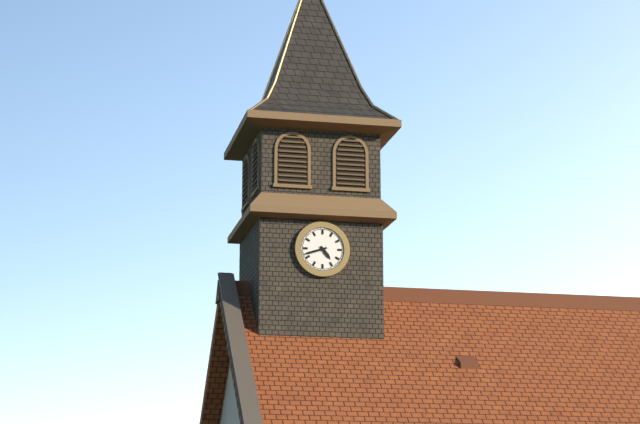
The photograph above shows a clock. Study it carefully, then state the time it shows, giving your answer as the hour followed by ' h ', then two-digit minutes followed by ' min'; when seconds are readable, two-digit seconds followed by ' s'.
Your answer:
4 h 42 min
